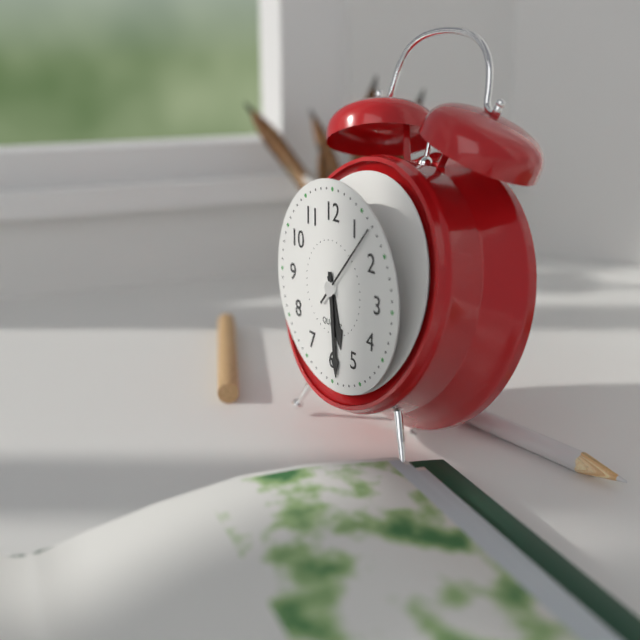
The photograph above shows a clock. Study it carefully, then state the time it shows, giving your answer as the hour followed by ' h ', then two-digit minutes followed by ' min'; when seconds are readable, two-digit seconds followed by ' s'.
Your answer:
5 h 29 min 07 s
